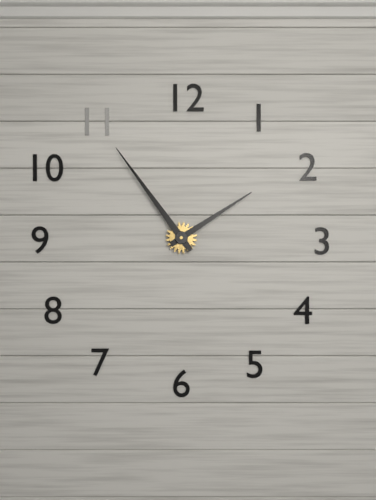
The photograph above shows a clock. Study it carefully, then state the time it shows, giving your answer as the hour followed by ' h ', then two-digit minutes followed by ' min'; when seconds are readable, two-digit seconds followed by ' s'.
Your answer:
1 h 54 min
